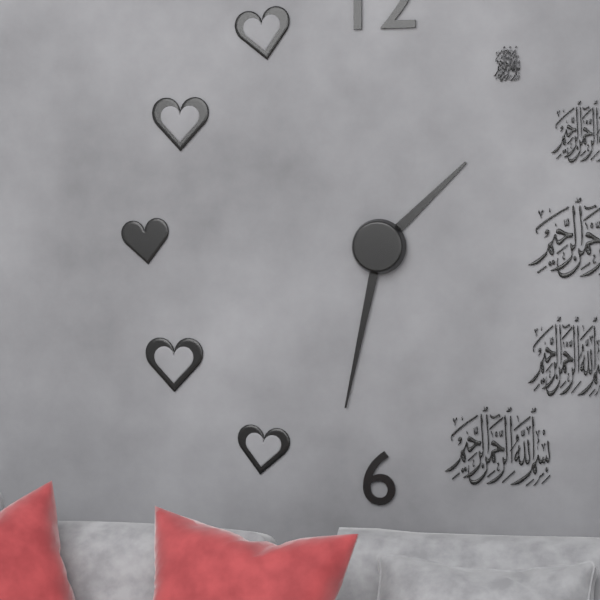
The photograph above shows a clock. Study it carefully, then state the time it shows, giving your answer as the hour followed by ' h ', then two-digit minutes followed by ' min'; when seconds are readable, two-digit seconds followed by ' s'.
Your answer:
1 h 32 min
